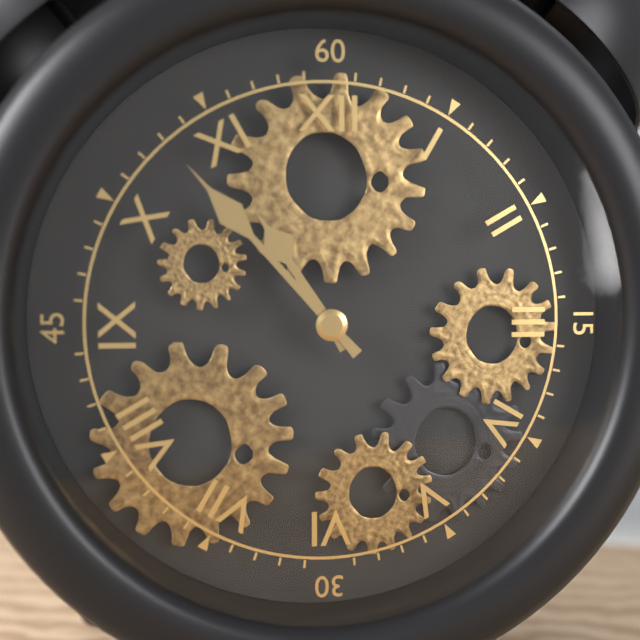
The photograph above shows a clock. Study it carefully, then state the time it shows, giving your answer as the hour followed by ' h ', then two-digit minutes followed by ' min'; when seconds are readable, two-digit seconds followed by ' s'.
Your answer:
10 h 53 min
